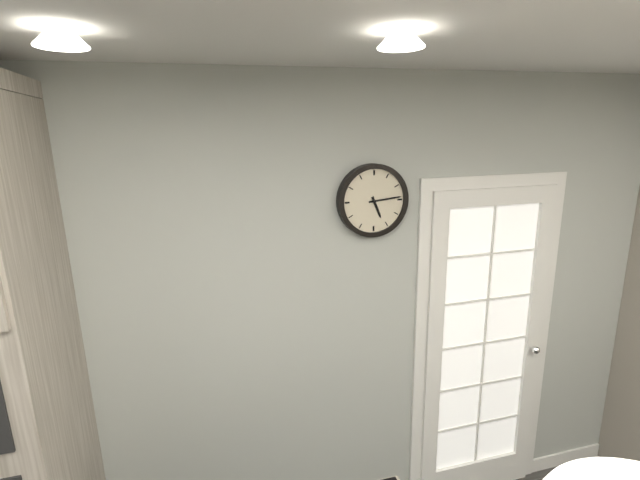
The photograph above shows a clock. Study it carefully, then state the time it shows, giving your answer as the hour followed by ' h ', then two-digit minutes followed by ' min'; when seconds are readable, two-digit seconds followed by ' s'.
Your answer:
5 h 14 min
